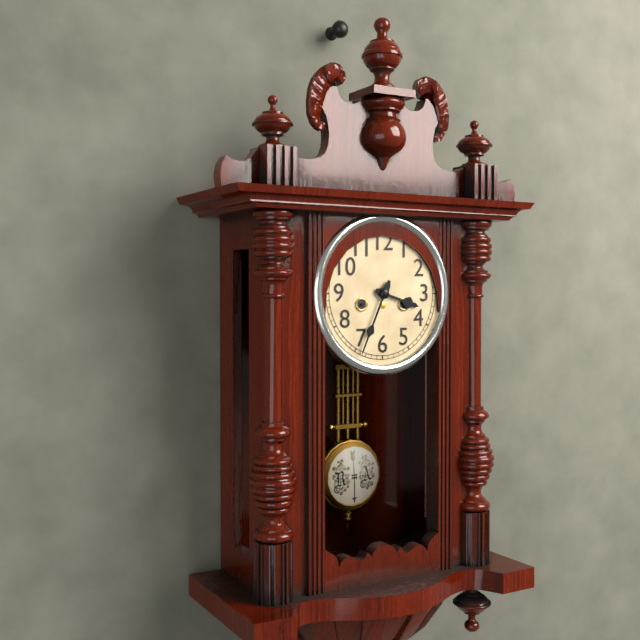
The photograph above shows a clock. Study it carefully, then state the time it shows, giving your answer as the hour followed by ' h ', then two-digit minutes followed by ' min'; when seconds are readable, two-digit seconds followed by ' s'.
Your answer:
3 h 34 min
